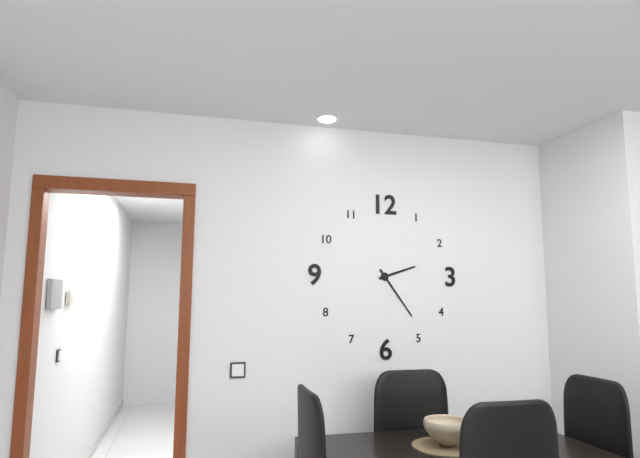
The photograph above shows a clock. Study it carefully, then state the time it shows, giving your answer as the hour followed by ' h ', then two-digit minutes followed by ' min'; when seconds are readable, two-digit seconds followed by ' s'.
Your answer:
2 h 24 min
